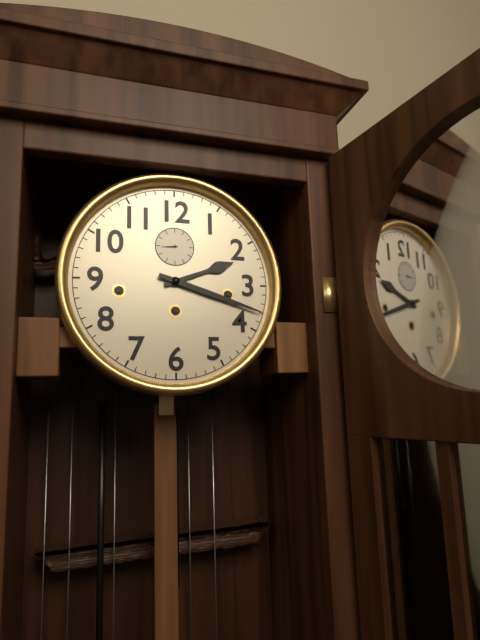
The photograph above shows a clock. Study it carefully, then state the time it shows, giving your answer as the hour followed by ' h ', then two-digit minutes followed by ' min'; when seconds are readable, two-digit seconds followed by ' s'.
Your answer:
2 h 18 min
